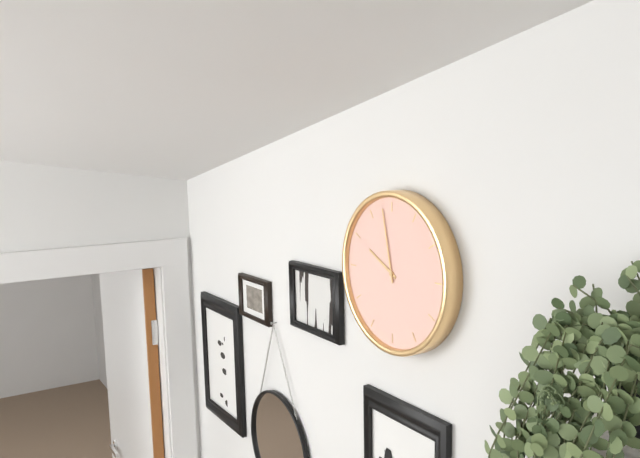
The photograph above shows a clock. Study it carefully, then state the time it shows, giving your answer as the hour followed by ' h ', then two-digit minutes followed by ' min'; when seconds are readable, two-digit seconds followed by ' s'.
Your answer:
9 h 58 min
